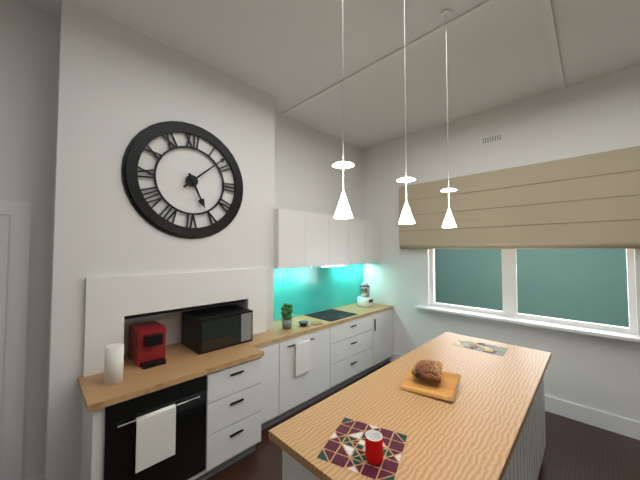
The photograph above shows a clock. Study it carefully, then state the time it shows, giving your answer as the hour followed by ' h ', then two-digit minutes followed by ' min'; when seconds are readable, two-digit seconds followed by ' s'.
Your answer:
5 h 08 min
